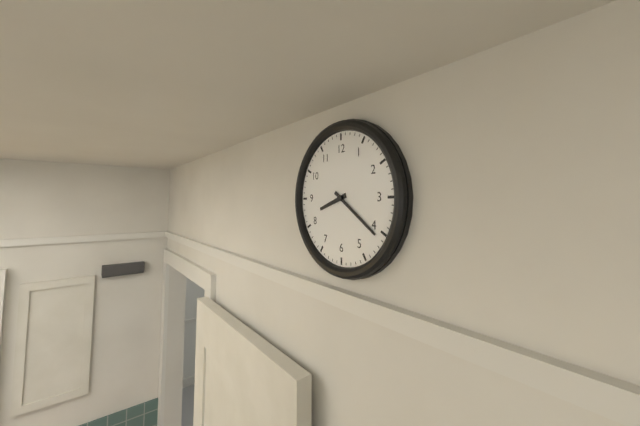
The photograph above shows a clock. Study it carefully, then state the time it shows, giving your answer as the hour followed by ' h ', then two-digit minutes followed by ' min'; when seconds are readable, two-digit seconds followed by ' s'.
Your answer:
8 h 21 min
